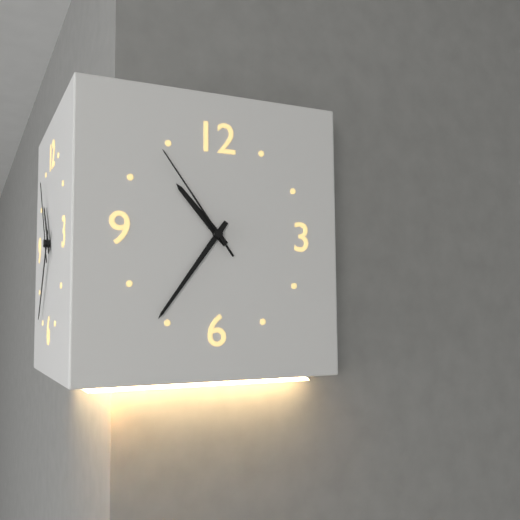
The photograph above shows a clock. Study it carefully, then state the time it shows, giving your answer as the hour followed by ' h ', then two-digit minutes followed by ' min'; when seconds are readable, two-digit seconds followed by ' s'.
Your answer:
10 h 36 min 54 s
